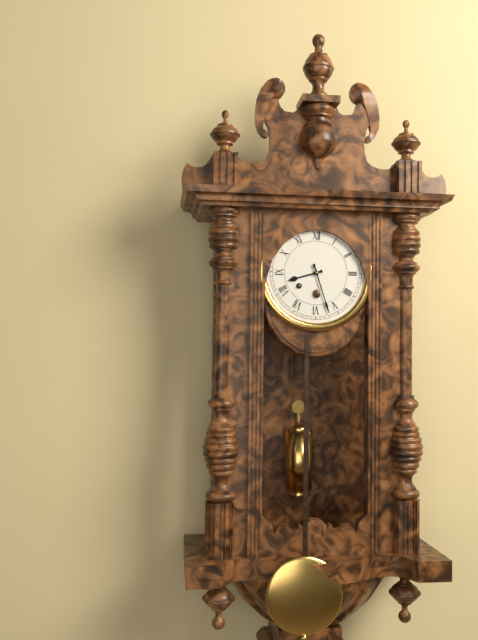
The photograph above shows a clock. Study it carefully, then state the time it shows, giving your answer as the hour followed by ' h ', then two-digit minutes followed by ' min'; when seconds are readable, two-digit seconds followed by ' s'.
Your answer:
8 h 27 min
